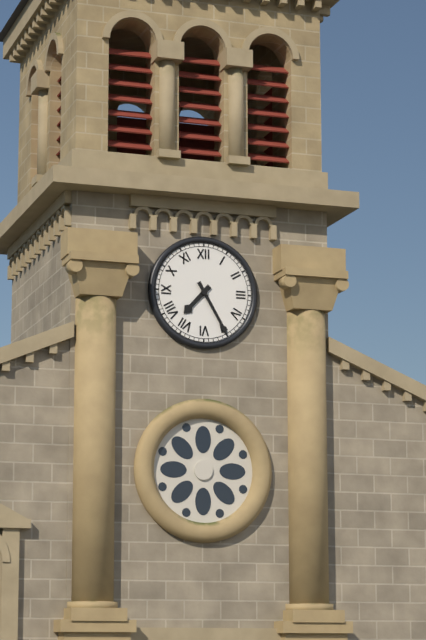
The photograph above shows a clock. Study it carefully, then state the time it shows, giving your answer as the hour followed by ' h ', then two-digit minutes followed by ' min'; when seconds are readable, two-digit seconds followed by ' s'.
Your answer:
7 h 25 min
